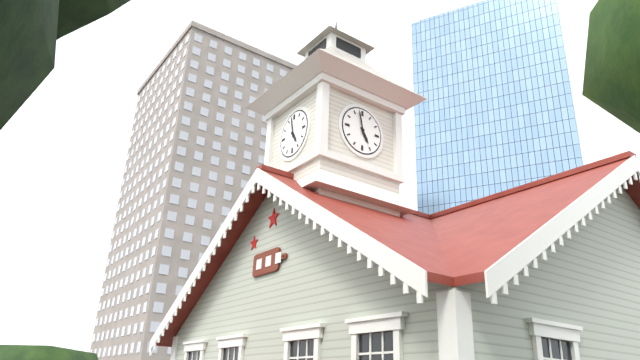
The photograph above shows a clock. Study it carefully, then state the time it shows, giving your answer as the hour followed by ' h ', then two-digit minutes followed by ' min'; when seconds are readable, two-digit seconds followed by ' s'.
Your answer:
4 h 58 min
